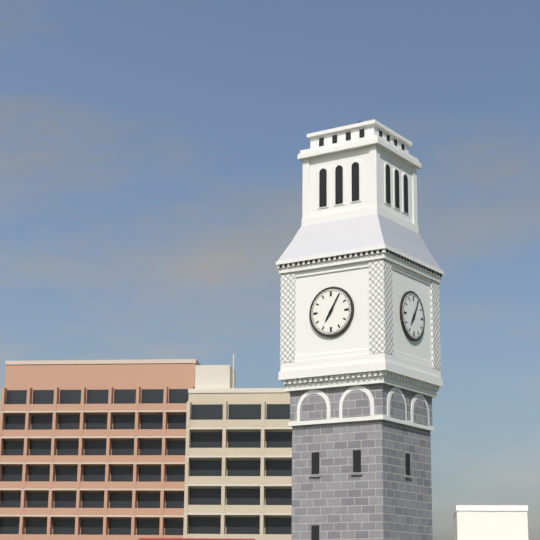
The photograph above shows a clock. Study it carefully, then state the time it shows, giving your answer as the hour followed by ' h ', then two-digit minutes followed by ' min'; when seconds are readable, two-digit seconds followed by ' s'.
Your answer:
7 h 05 min
